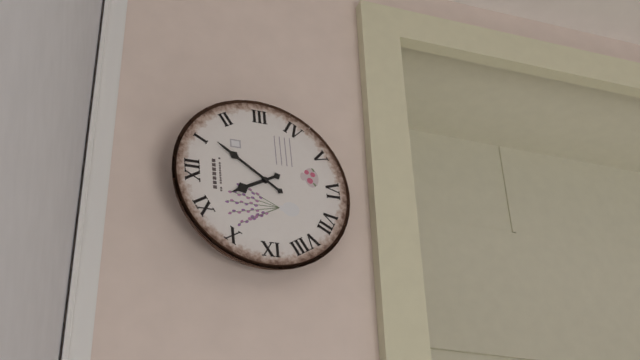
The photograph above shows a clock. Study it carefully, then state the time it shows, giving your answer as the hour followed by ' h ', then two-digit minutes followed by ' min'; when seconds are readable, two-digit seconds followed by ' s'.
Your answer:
11 h 06 min
